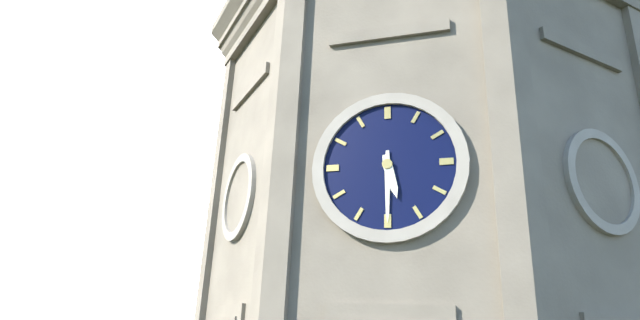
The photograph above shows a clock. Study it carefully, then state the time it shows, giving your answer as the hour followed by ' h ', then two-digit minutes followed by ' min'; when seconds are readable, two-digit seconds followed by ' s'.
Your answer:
5 h 30 min
